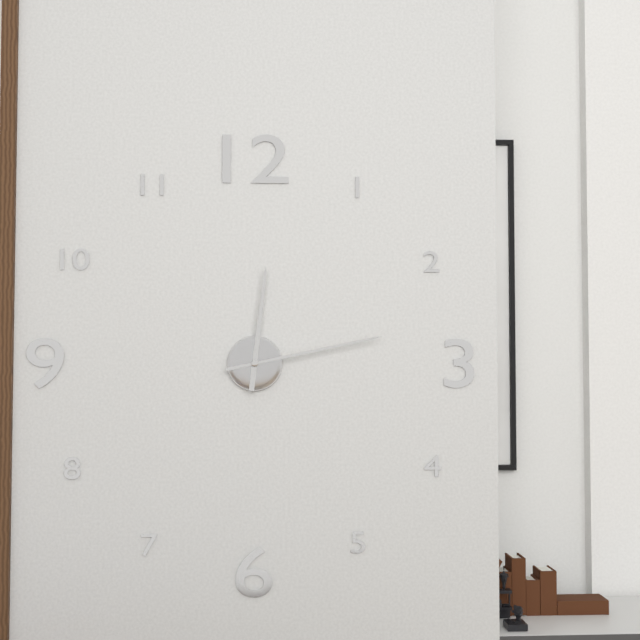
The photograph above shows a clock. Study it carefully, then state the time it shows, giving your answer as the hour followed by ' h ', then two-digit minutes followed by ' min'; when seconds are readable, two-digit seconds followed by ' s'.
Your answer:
12 h 13 min
